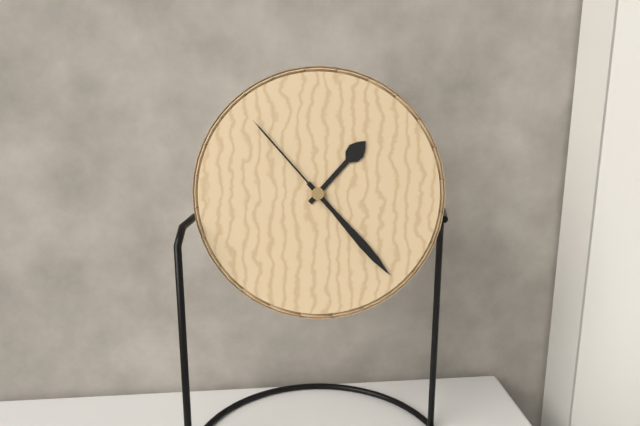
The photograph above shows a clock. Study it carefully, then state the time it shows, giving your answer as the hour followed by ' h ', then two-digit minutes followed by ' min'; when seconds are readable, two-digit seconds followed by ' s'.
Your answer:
1 h 23 min 53 s
